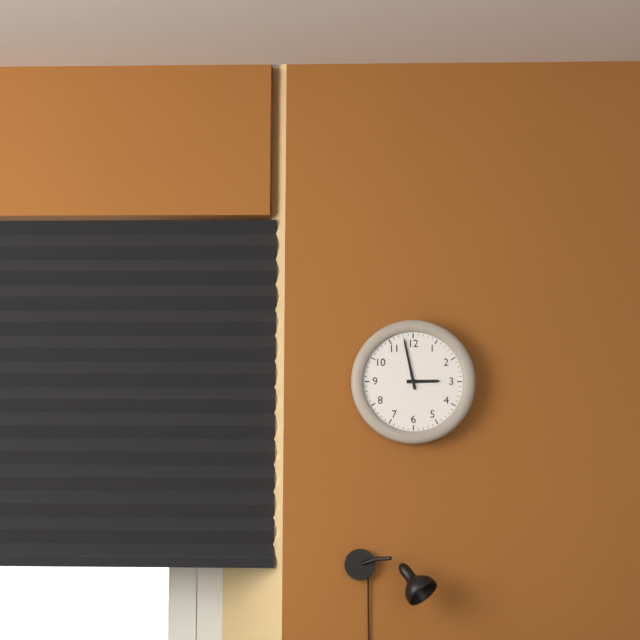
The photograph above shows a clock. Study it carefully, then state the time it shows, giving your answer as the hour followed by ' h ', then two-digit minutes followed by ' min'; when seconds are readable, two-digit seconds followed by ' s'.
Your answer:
2 h 58 min
